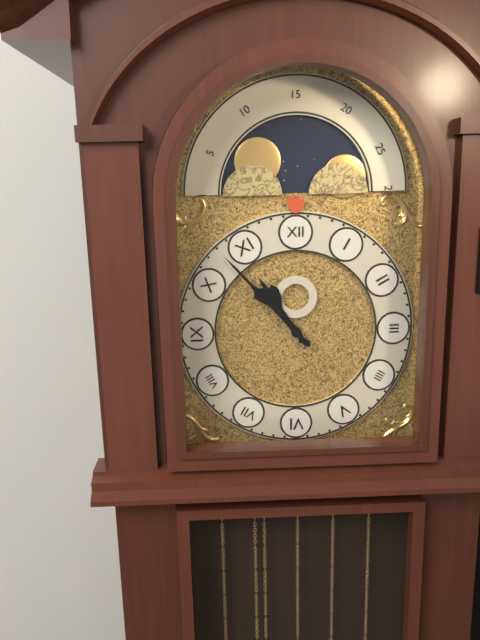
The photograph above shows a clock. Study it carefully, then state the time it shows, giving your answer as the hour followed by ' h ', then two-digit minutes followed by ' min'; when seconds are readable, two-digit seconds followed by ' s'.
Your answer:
10 h 53 min
